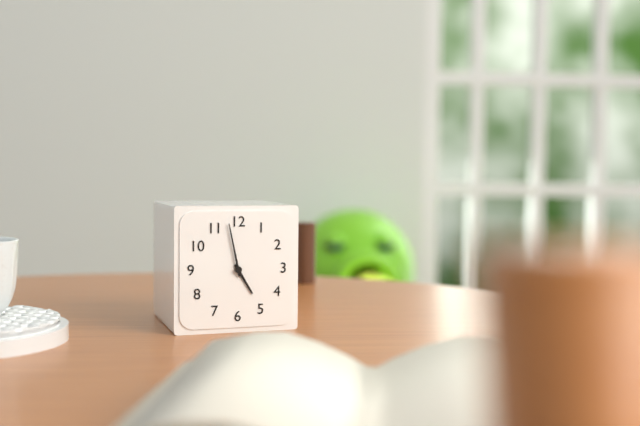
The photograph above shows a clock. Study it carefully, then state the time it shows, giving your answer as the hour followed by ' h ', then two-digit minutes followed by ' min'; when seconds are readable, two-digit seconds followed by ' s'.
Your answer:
4 h 58 min
